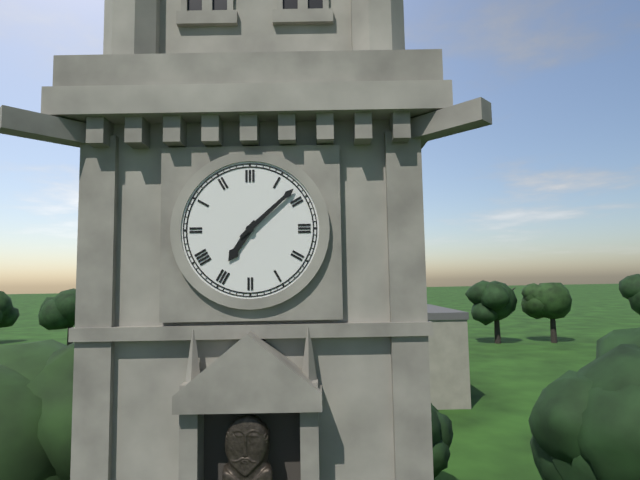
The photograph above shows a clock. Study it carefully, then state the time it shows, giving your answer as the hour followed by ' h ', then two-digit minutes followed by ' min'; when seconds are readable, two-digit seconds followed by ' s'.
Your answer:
7 h 08 min
